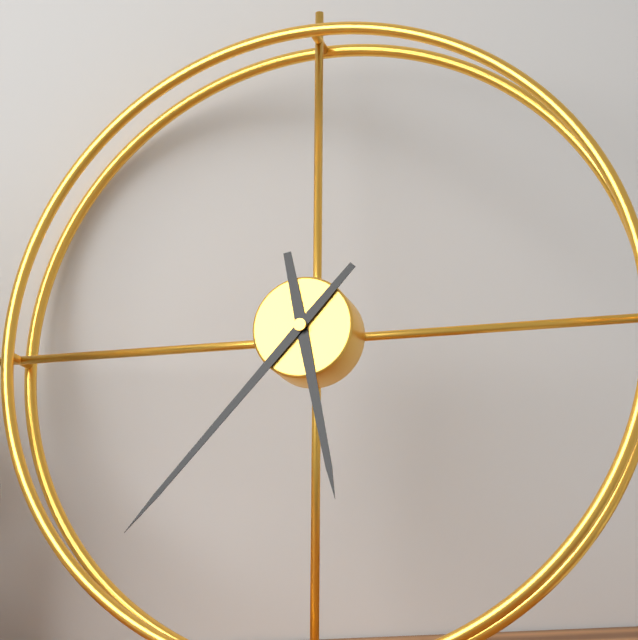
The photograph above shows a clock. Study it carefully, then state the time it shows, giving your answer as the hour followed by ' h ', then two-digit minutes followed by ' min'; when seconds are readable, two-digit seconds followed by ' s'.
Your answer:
5 h 37 min
